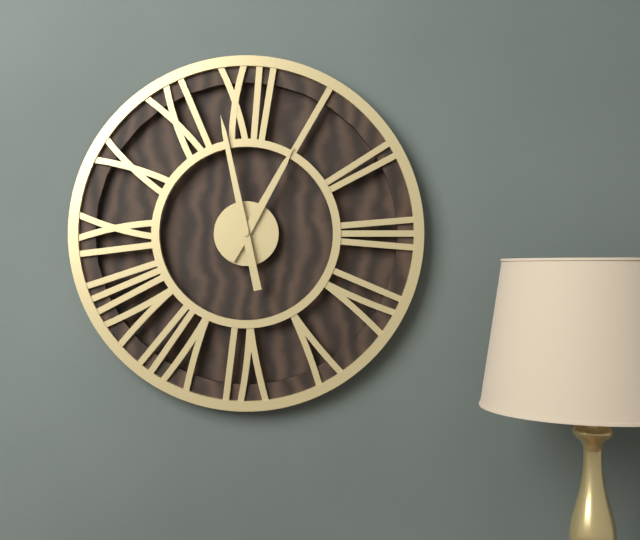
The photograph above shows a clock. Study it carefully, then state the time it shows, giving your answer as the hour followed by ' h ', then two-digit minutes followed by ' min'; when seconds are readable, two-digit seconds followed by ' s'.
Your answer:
12 h 58 min
